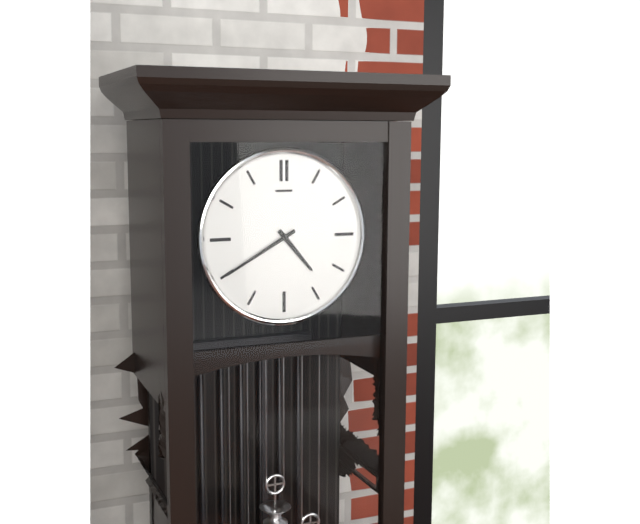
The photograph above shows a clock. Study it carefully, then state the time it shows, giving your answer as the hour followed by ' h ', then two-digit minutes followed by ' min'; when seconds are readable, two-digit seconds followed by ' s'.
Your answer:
4 h 40 min
